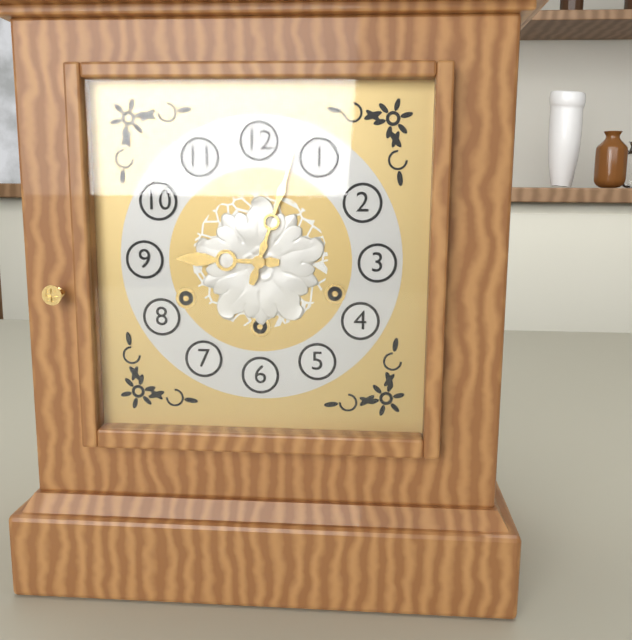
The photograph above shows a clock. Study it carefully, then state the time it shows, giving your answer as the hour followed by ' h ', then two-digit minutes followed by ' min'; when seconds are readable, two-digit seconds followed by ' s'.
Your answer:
9 h 03 min
